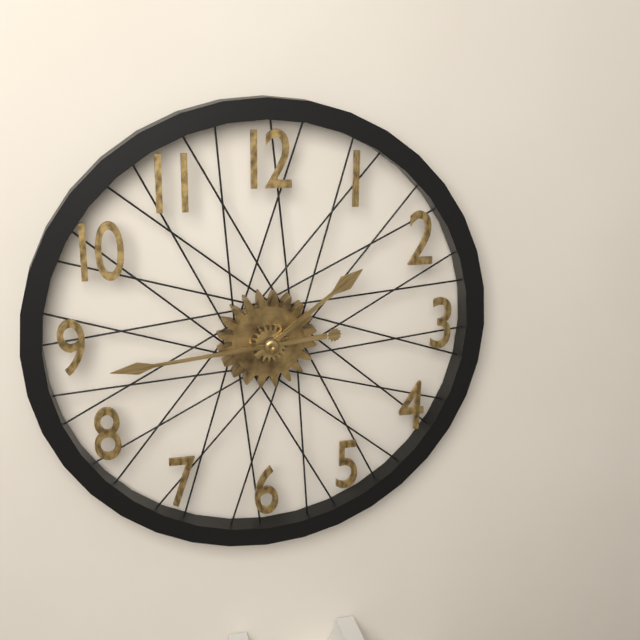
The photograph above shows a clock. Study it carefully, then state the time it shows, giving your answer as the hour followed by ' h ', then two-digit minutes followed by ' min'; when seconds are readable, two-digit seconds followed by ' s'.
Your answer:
1 h 44 min
